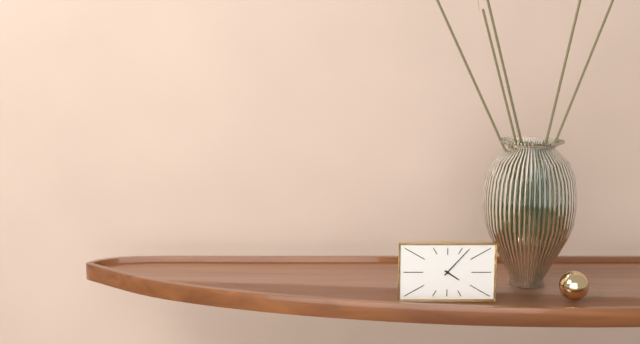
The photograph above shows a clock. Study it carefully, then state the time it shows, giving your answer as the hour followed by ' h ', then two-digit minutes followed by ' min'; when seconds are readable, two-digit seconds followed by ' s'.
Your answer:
4 h 07 min
